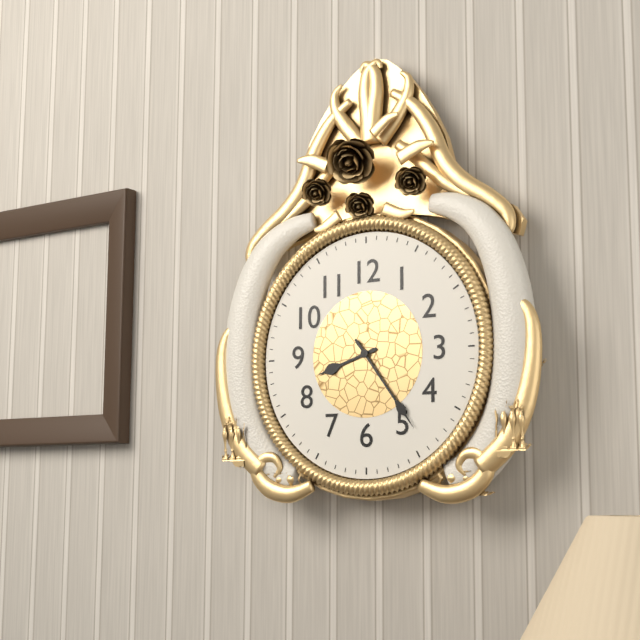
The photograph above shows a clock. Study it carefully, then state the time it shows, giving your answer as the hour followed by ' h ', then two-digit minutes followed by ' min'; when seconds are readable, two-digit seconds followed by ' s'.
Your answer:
8 h 24 min
